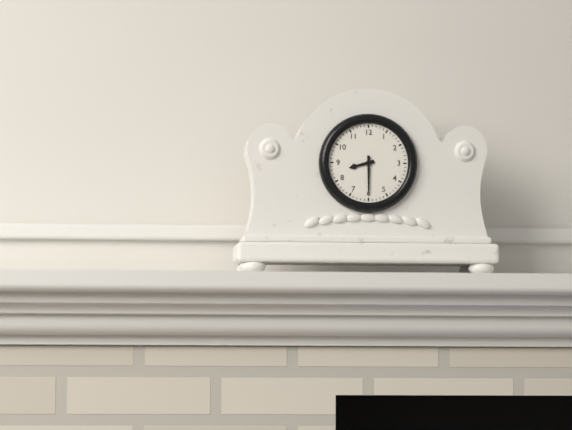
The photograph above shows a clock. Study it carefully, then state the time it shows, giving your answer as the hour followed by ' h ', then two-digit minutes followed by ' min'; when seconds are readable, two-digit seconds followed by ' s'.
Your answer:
8 h 30 min
